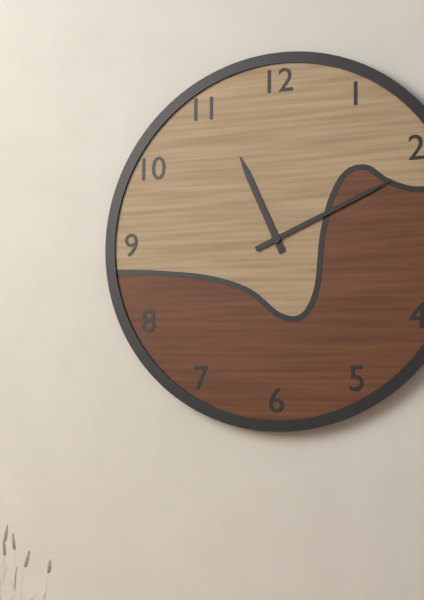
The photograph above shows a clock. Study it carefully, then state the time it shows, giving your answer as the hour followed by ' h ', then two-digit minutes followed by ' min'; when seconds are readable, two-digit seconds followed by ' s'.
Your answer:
11 h 11 min
